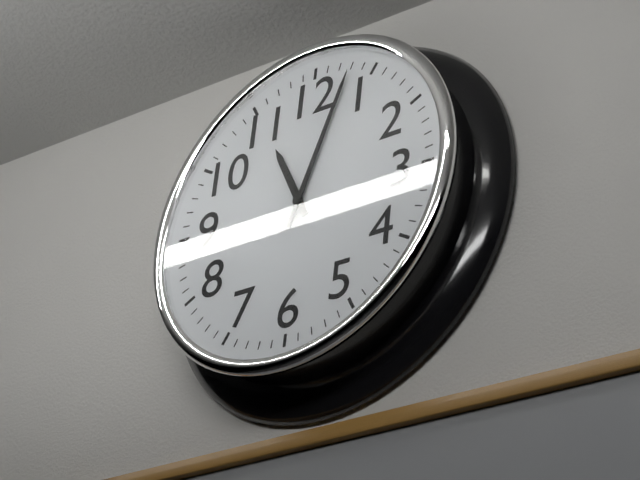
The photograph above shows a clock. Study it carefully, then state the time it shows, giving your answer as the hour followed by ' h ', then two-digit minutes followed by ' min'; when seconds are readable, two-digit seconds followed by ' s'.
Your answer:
11 h 03 min
